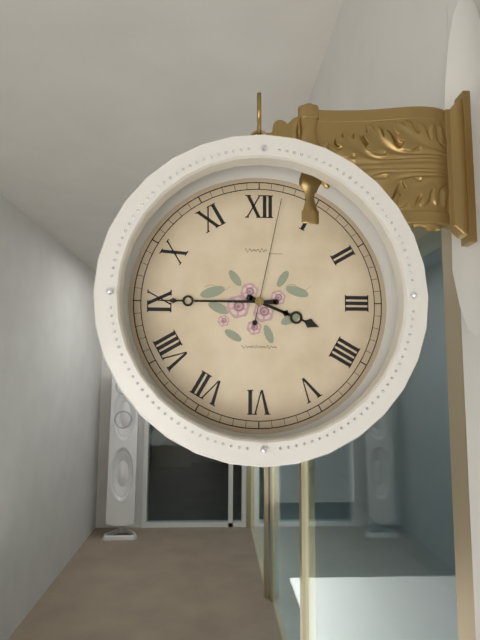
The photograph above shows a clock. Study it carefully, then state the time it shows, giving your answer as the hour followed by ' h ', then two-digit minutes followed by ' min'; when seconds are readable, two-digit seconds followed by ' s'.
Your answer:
3 h 45 min 02 s
